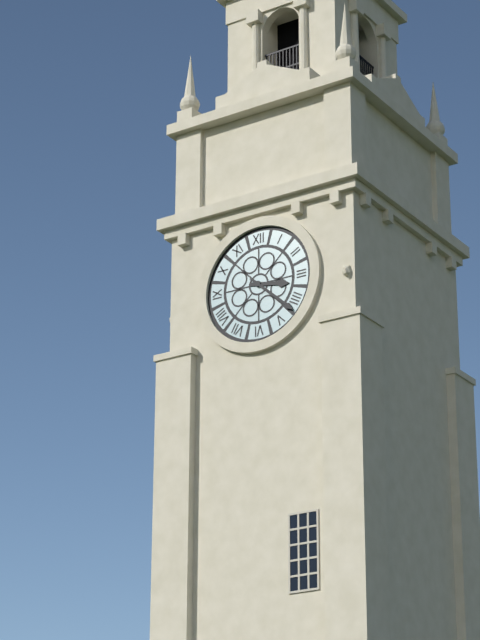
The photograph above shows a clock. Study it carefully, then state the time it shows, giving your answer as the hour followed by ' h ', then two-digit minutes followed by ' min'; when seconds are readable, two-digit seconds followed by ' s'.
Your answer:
3 h 22 min
